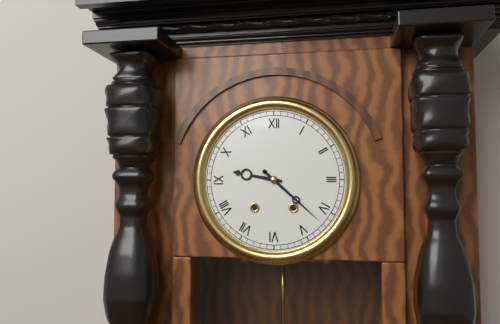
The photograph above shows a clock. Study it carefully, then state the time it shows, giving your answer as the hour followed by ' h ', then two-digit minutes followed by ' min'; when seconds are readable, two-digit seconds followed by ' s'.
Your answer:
9 h 22 min
